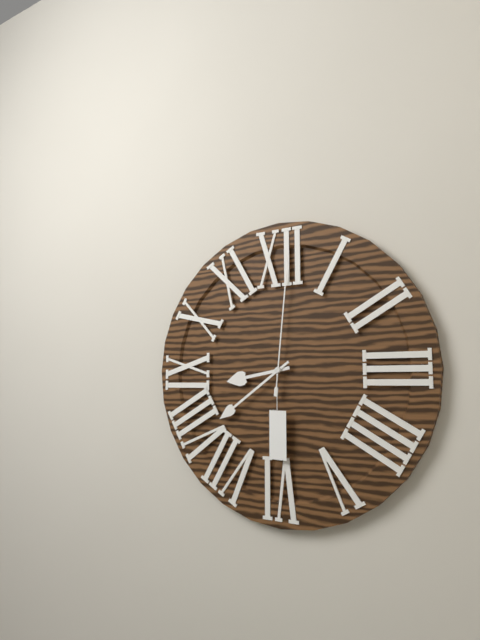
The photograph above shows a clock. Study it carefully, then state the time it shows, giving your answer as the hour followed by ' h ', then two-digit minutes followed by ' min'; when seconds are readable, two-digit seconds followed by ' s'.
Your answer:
8 h 39 min 01 s
